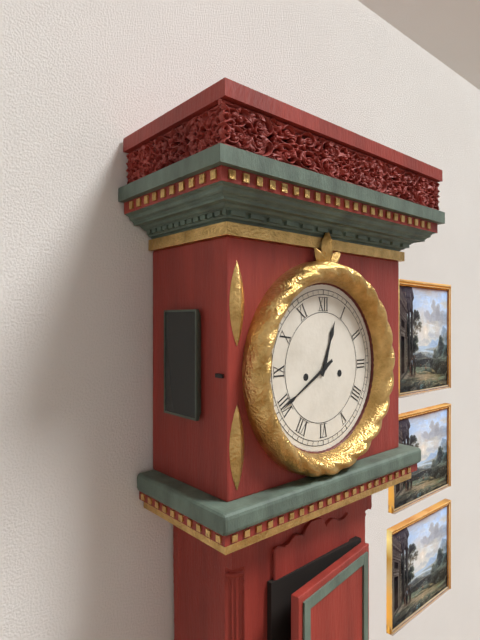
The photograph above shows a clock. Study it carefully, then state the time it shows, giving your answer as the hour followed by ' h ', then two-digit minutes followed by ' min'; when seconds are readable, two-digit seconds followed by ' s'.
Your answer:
12 h 40 min
